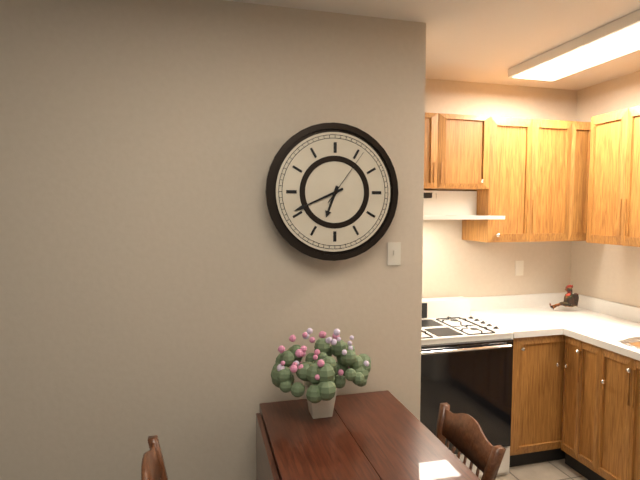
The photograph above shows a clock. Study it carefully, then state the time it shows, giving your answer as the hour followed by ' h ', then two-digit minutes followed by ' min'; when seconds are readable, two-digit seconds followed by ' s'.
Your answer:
6 h 41 min 06 s
